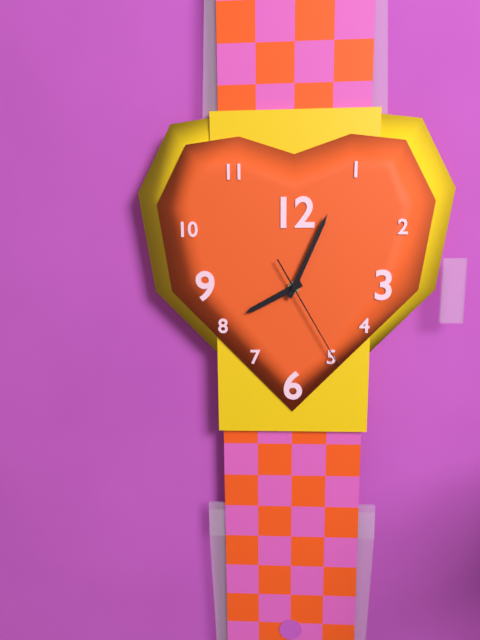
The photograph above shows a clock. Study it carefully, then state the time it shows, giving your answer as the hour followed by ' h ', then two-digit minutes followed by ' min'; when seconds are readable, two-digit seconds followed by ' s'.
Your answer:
8 h 04 min 25 s
